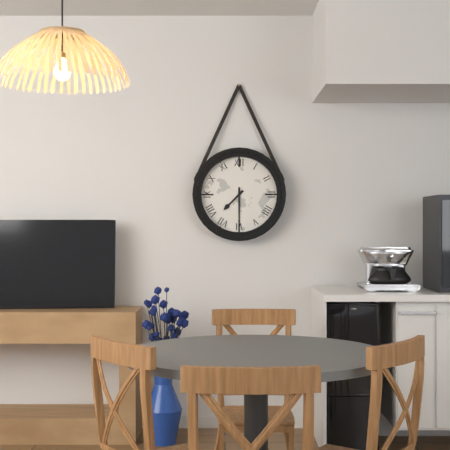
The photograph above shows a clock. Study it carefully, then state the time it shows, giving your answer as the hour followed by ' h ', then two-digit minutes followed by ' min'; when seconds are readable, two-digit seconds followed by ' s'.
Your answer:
7 h 30 min
